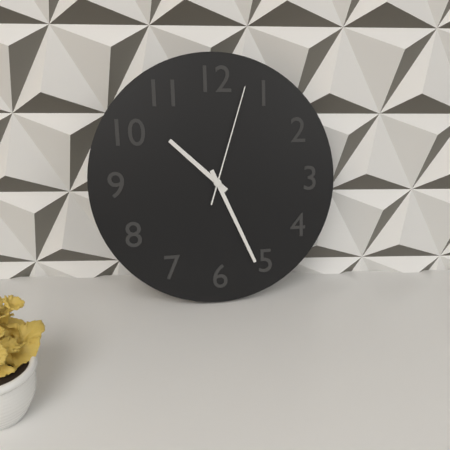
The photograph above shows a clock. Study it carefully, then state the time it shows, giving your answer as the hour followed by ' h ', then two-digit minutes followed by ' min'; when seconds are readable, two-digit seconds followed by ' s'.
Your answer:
10 h 26 min 03 s
